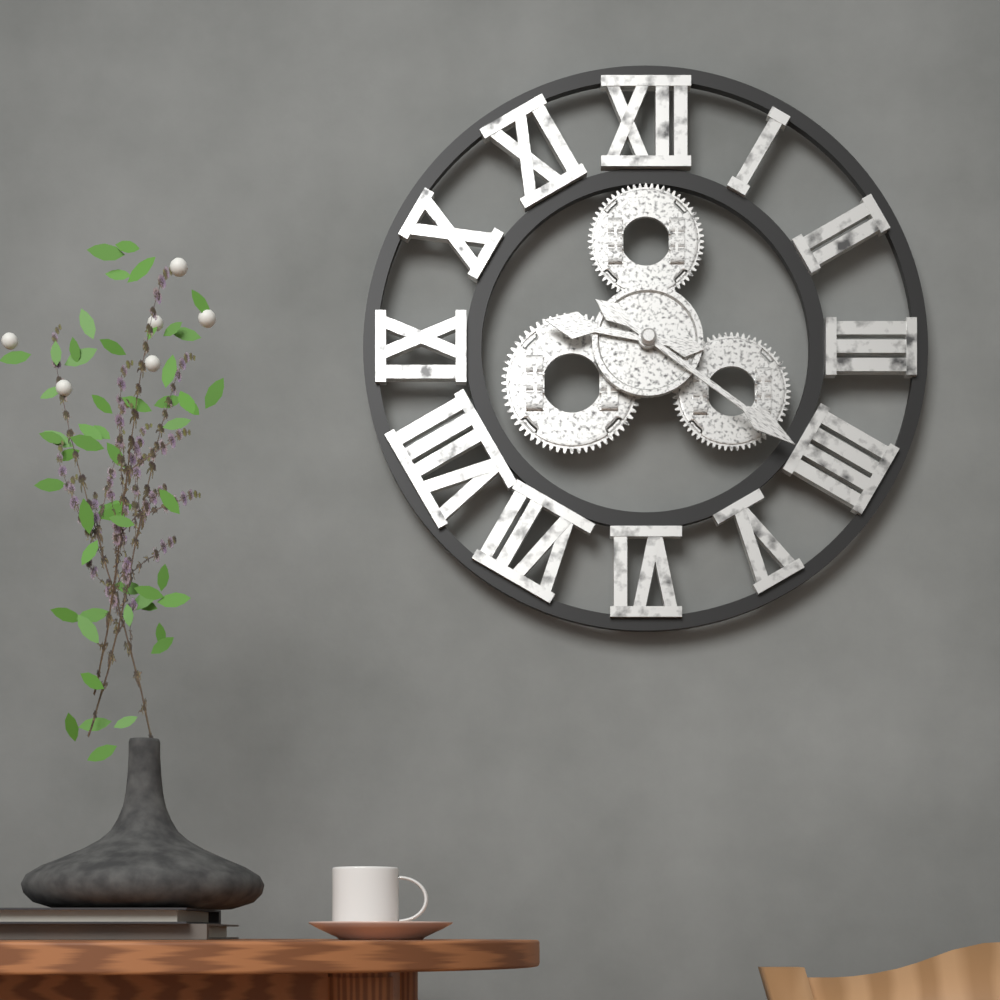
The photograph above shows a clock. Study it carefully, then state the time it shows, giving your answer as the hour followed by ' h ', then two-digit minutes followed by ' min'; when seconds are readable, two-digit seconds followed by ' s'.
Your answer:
9 h 21 min
